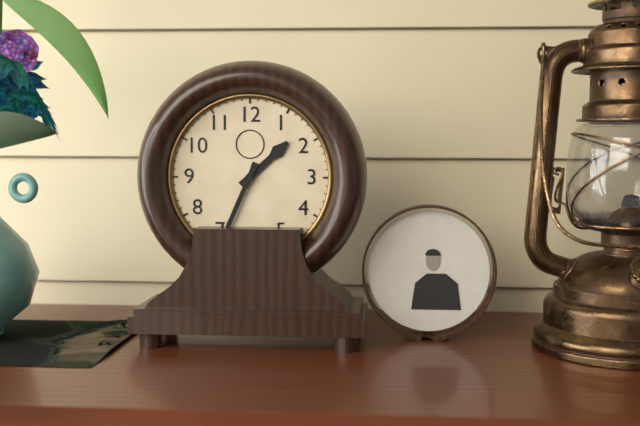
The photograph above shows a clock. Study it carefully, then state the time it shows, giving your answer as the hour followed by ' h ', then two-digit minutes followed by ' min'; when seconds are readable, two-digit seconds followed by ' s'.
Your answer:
1 h 34 min
